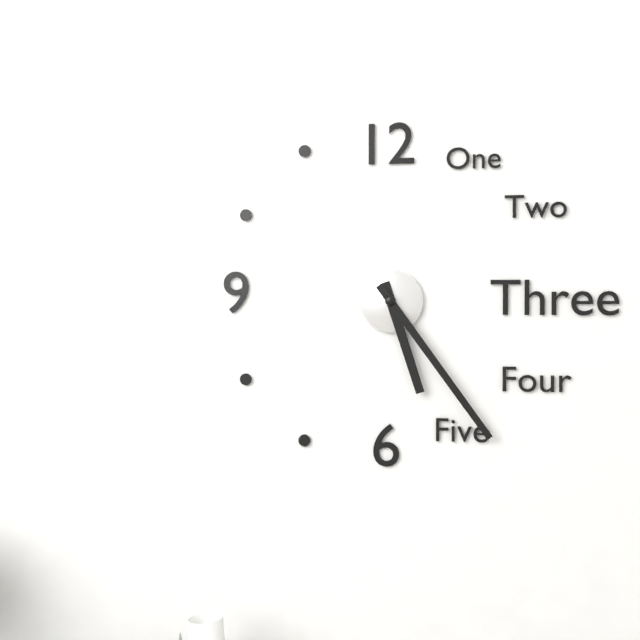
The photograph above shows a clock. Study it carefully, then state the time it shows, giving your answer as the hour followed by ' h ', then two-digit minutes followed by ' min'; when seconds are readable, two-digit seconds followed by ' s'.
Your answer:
5 h 24 min
